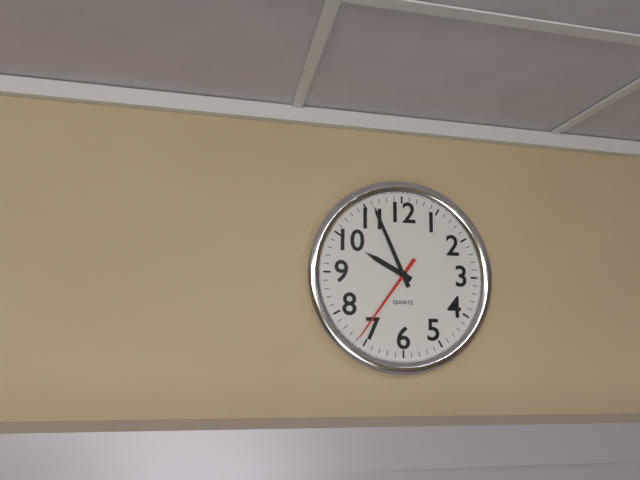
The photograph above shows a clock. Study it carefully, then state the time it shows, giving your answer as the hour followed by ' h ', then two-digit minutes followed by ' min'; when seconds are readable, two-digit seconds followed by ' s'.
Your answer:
9 h 56 min 36 s
